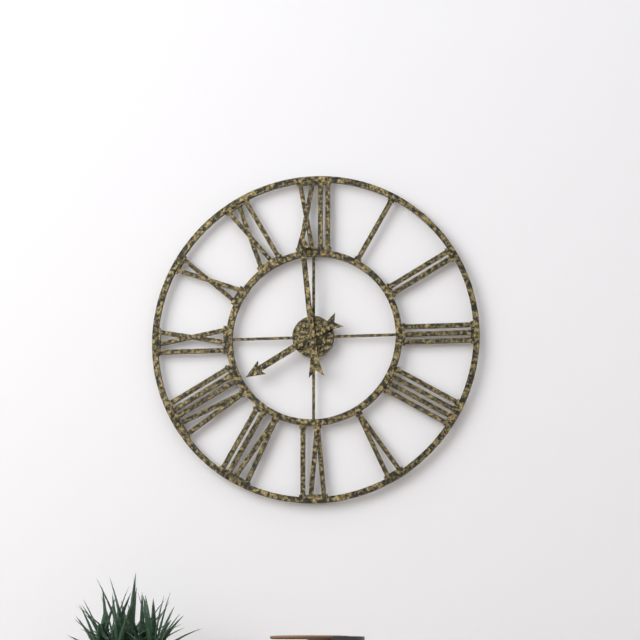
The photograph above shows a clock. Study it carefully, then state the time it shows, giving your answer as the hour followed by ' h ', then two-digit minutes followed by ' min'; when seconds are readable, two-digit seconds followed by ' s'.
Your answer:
7 h 59 min
